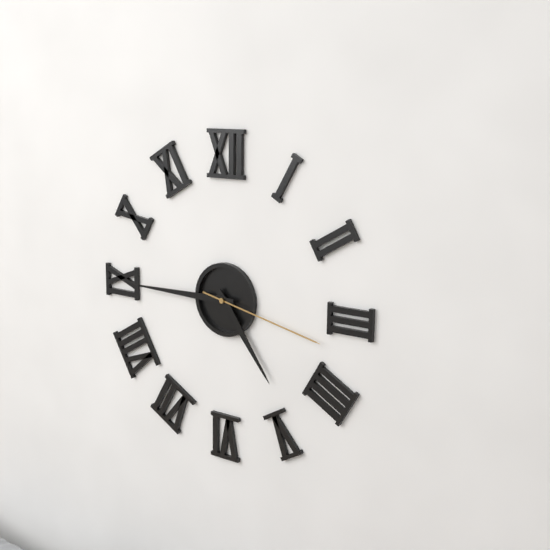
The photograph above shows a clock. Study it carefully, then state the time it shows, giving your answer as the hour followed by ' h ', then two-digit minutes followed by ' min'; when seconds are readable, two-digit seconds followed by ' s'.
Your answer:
4 h 45 min 17 s
